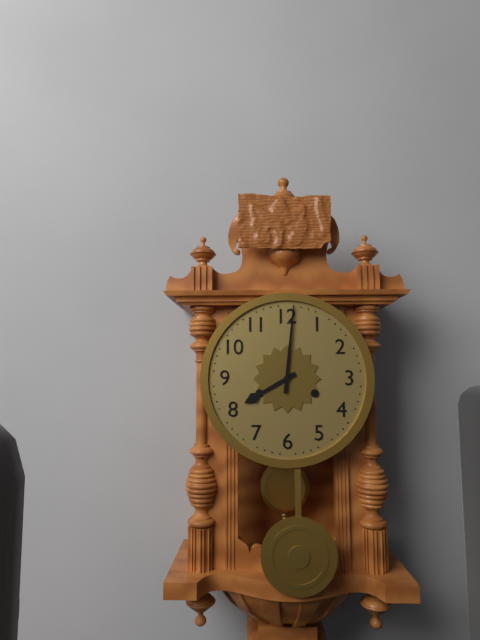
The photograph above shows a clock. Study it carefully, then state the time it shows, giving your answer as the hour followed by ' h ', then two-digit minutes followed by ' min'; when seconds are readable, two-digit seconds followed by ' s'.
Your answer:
8 h 01 min
